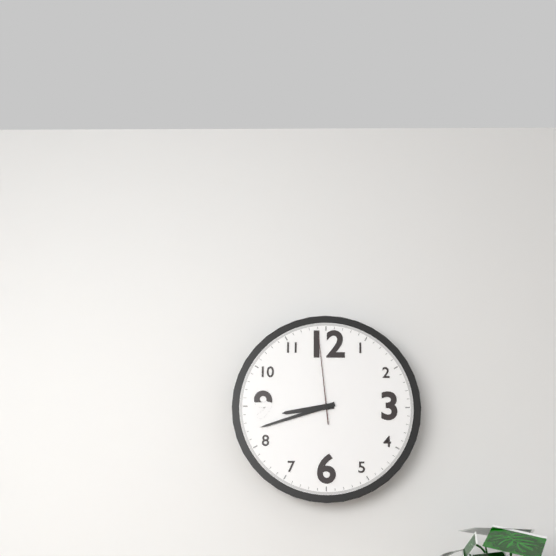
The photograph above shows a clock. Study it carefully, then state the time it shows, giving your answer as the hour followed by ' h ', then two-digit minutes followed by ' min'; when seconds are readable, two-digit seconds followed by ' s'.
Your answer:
8 h 42 min 59 s
